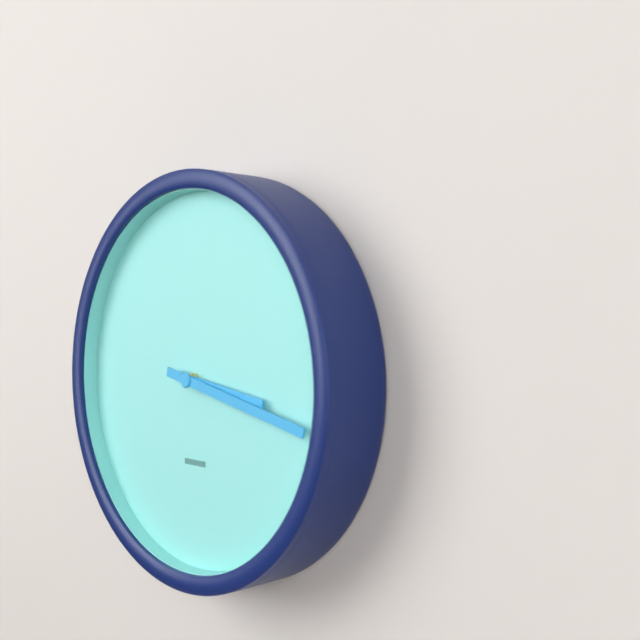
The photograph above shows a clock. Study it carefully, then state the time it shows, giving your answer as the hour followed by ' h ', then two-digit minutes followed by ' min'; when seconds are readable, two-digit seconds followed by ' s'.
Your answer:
3 h 17 min
